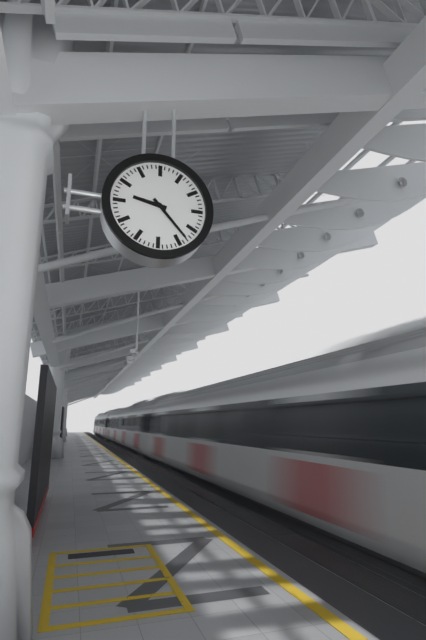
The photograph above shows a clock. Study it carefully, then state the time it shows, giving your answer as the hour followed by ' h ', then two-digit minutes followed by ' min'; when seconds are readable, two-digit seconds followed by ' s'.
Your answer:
9 h 23 min
